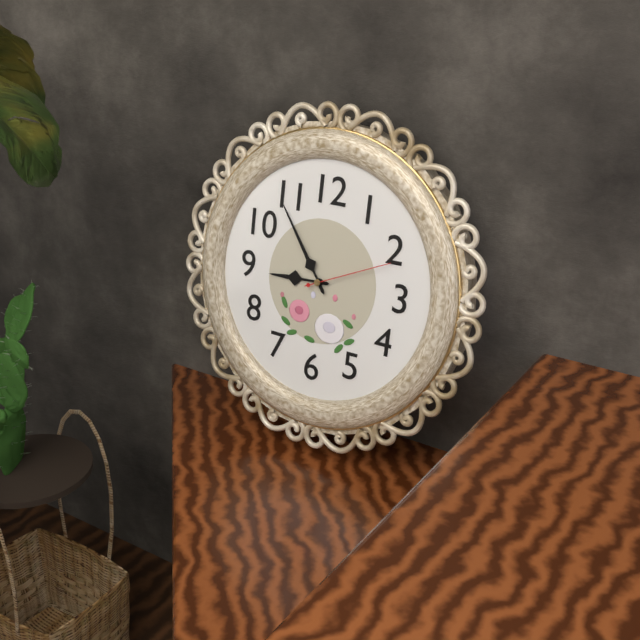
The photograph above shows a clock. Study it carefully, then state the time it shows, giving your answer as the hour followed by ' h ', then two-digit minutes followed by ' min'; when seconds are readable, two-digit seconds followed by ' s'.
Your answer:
8 h 54 min 11 s
